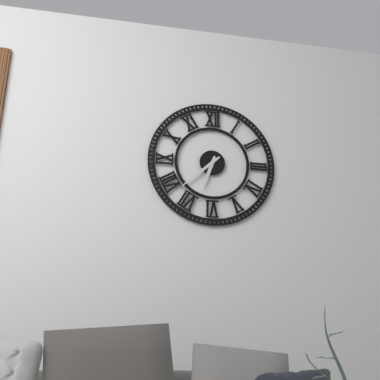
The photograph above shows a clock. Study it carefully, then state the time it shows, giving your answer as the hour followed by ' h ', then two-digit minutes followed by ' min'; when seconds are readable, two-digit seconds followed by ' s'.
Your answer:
6 h 38 min
